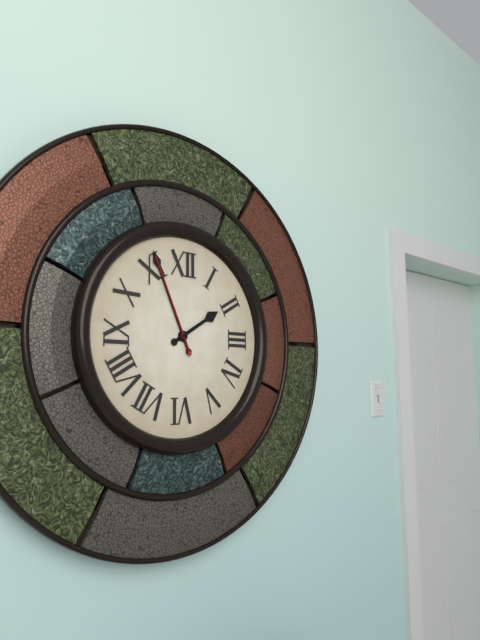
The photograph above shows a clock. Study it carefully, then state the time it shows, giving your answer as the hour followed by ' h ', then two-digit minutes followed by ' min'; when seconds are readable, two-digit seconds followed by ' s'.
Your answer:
1 h 56 min 56 s
